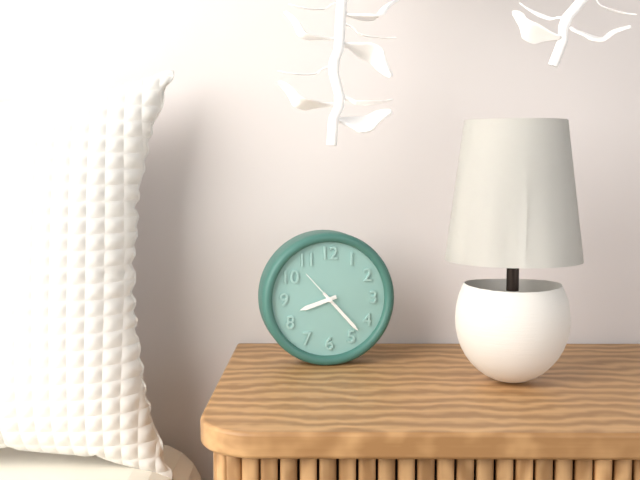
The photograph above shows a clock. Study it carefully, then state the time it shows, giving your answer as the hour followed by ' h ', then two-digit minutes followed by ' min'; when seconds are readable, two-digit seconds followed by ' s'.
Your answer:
8 h 23 min
